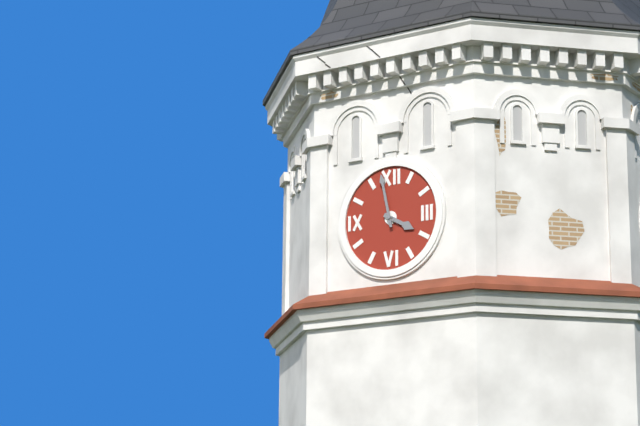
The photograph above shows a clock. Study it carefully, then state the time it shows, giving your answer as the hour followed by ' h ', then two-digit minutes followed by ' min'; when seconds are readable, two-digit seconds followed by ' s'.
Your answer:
3 h 58 min
